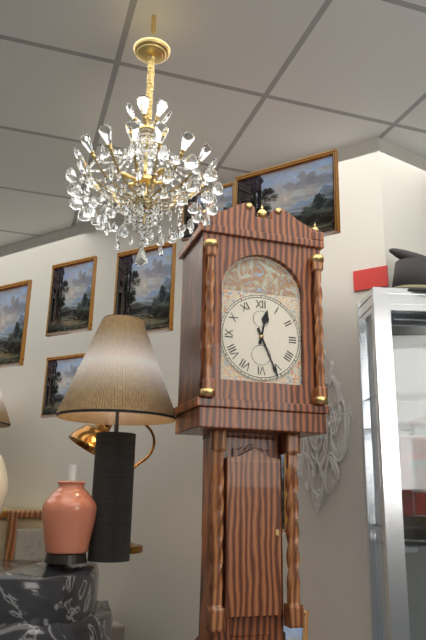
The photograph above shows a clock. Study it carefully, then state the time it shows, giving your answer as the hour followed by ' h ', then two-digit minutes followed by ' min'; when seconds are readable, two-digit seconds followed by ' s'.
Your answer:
12 h 26 min
